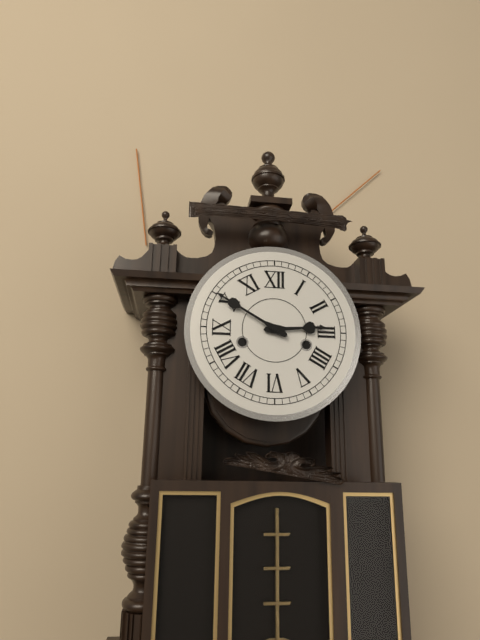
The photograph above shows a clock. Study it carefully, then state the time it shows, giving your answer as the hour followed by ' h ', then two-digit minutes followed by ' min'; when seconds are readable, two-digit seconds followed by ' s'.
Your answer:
2 h 50 min
